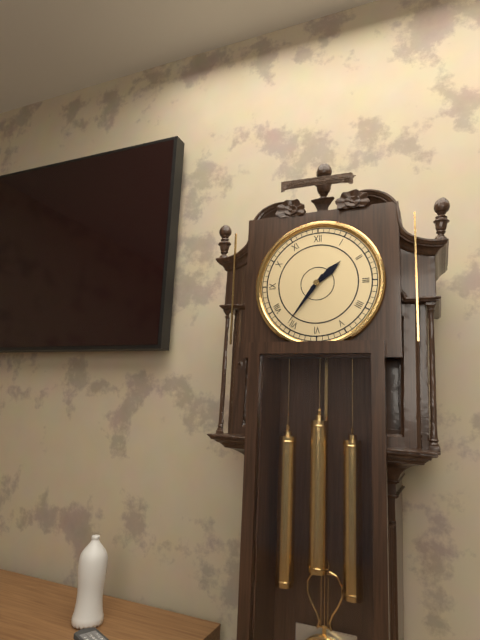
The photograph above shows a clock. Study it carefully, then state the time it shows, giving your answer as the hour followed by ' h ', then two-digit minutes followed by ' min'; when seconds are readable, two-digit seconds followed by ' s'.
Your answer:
1 h 36 min
